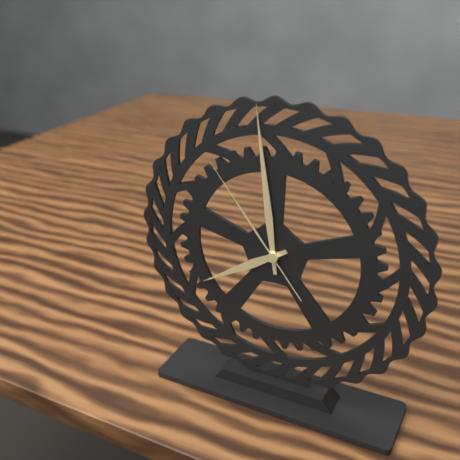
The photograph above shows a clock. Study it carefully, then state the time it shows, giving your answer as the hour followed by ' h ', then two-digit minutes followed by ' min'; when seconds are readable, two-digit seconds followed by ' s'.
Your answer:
7 h 59 min 54 s
